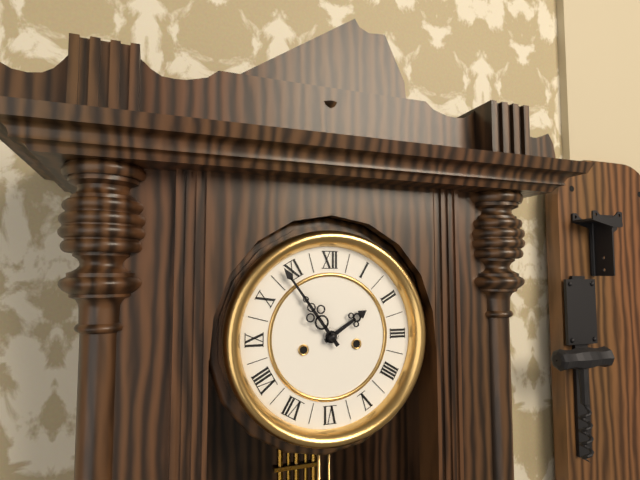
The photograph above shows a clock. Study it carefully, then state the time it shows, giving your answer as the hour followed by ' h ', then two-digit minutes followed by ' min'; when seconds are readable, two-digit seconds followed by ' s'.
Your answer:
1 h 54 min
